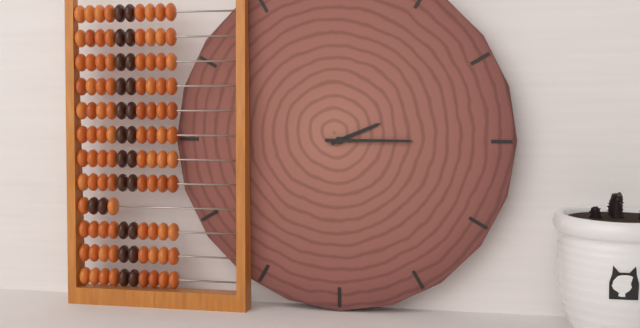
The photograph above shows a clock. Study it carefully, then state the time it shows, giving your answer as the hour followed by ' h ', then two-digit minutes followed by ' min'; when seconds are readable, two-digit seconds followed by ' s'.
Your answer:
2 h 15 min
